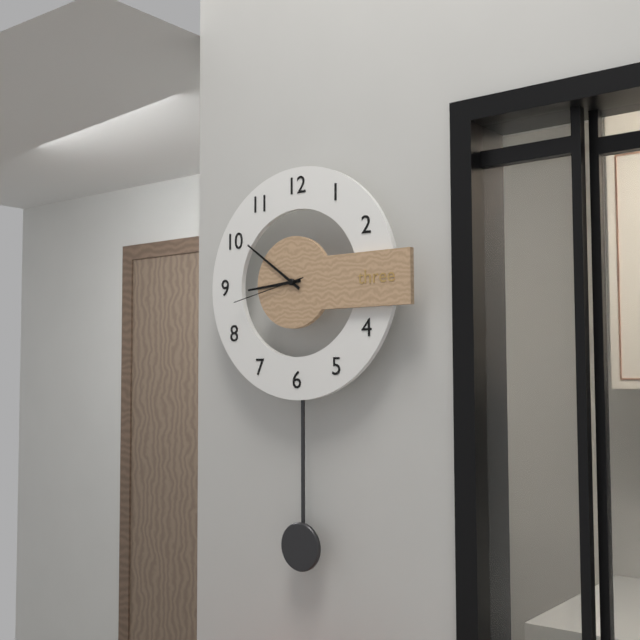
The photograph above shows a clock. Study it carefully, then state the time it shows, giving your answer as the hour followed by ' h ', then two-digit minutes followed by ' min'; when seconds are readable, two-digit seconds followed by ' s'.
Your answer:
8 h 51 min 43 s
